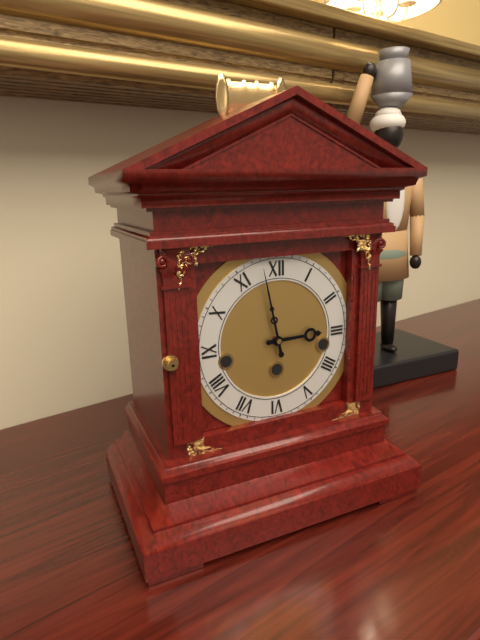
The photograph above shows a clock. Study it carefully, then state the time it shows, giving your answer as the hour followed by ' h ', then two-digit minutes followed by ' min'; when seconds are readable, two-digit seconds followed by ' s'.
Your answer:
2 h 58 min
